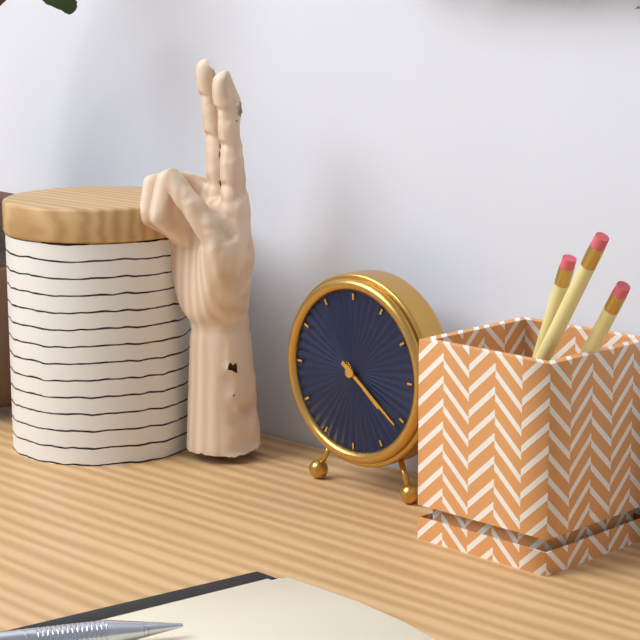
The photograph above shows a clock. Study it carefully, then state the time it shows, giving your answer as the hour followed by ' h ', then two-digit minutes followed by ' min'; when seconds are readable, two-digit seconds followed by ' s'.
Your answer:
4 h 21 min
